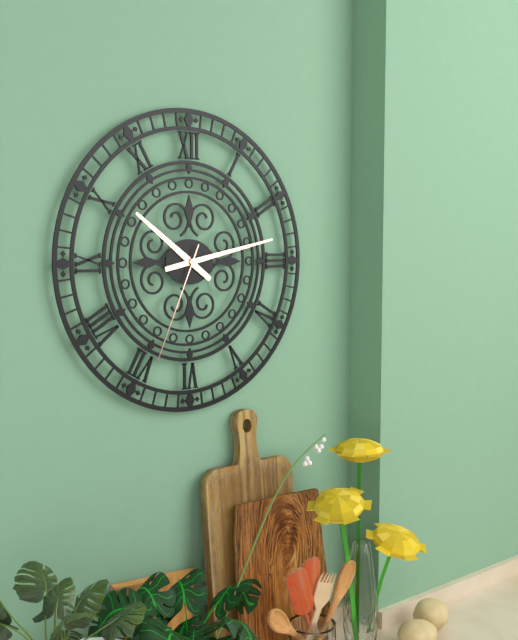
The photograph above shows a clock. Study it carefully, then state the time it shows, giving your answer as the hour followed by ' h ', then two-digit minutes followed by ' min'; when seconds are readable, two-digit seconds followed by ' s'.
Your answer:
10 h 13 min 34 s
